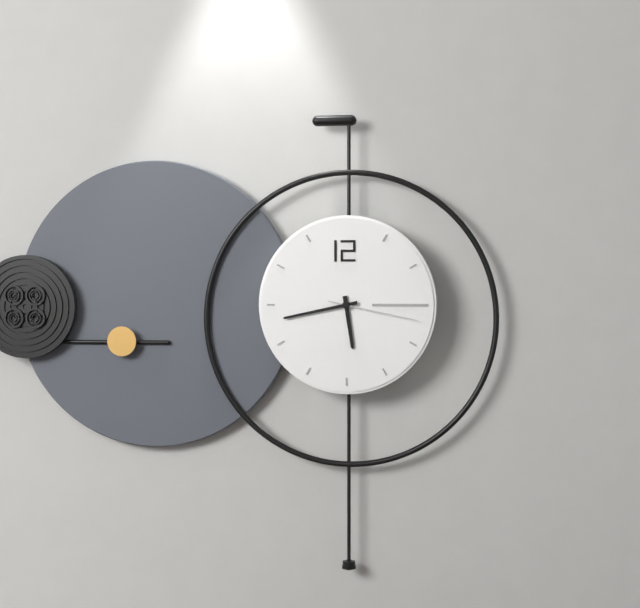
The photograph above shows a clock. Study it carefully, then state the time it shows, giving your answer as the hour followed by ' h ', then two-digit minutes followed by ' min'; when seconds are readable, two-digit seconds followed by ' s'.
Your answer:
5 h 43 min 17 s
